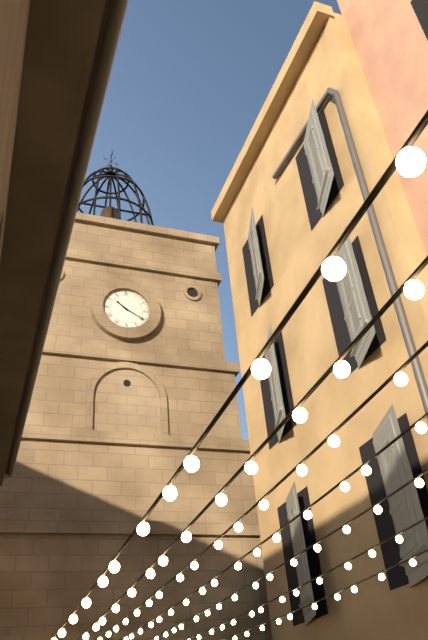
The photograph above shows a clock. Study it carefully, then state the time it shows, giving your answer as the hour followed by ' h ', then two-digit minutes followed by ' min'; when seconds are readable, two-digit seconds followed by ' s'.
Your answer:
10 h 20 min
